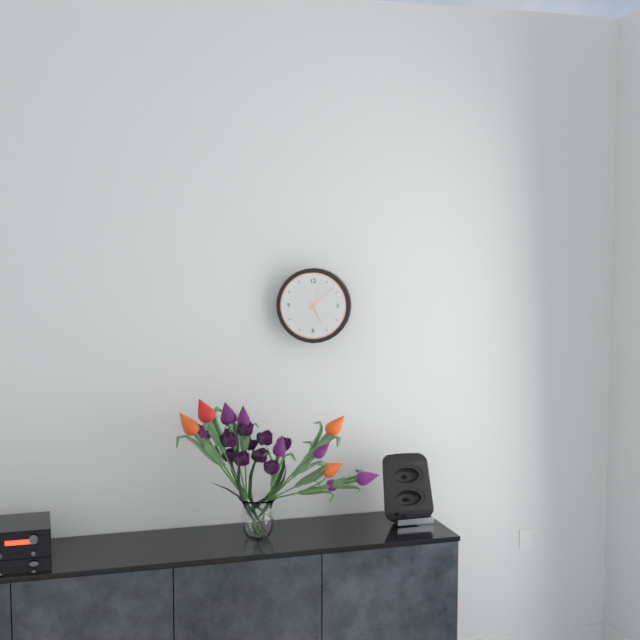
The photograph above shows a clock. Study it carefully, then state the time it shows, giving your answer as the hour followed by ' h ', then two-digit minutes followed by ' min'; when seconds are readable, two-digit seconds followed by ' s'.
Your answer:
5 h 08 min
